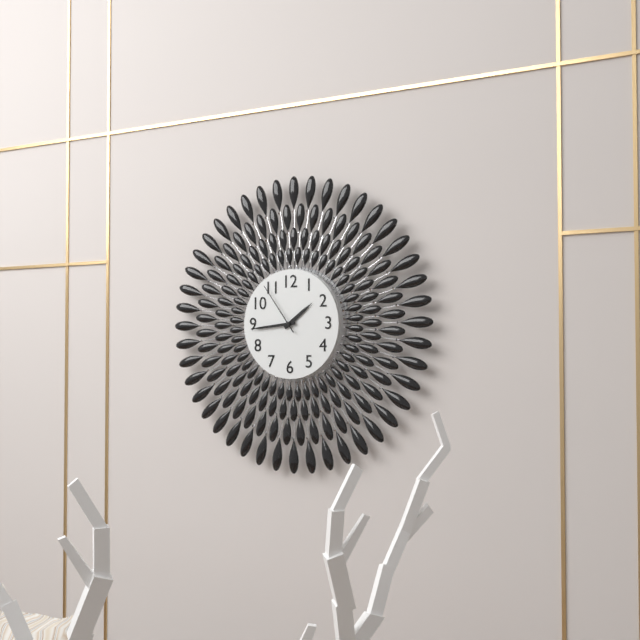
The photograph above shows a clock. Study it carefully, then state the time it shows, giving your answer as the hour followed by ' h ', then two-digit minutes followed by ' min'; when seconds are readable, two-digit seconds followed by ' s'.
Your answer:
1 h 44 min 54 s
